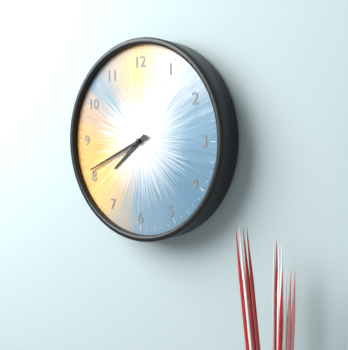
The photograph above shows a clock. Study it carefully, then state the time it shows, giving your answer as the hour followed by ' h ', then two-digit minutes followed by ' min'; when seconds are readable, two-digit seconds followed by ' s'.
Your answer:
7 h 41 min
